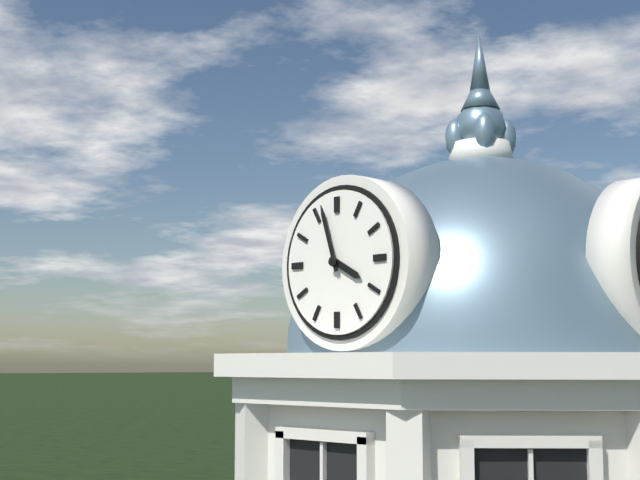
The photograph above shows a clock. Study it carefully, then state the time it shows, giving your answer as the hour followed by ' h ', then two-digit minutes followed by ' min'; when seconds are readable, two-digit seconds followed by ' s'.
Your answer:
3 h 57 min
